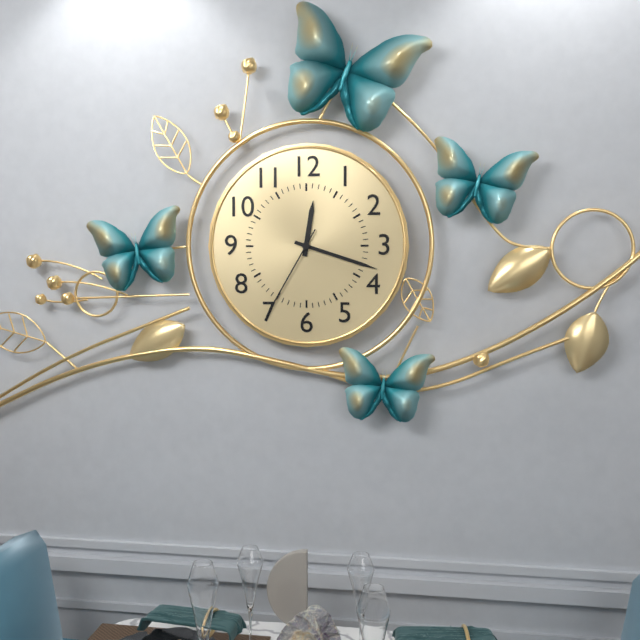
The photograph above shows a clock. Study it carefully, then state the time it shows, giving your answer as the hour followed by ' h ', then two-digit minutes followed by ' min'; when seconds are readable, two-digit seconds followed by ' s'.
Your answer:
12 h 18 min 35 s
